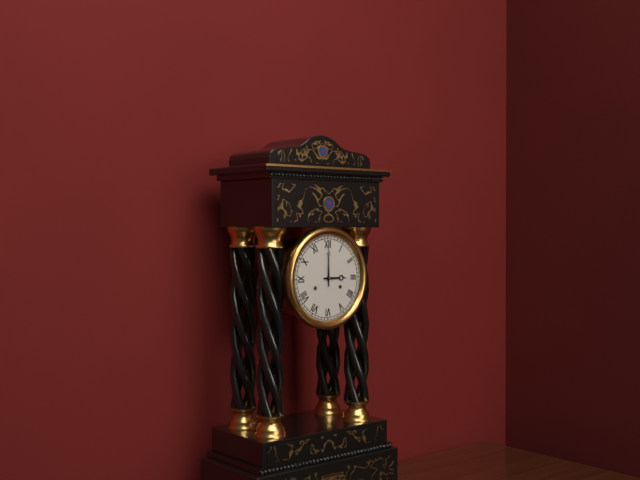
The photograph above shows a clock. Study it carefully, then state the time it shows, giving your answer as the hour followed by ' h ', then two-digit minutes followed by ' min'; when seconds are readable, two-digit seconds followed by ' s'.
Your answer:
3 h 00 min
